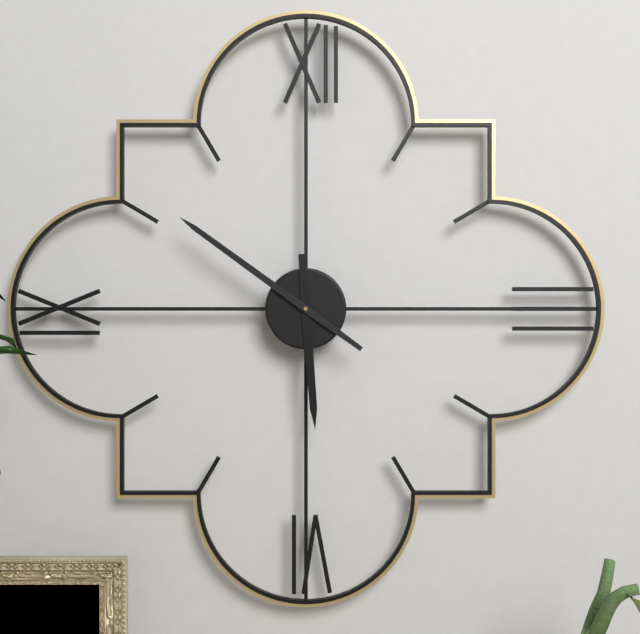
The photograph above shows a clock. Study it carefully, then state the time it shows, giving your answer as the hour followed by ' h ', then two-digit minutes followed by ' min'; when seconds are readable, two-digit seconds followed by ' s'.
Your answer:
5 h 51 min
